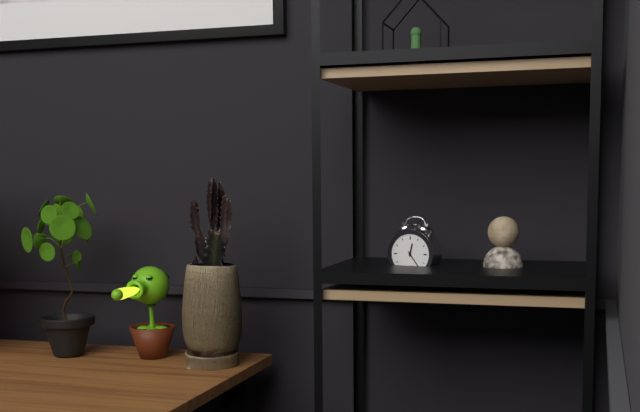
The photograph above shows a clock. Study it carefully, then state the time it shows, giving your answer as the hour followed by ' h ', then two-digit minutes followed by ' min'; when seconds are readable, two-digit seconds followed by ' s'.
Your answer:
12 h 24 min
